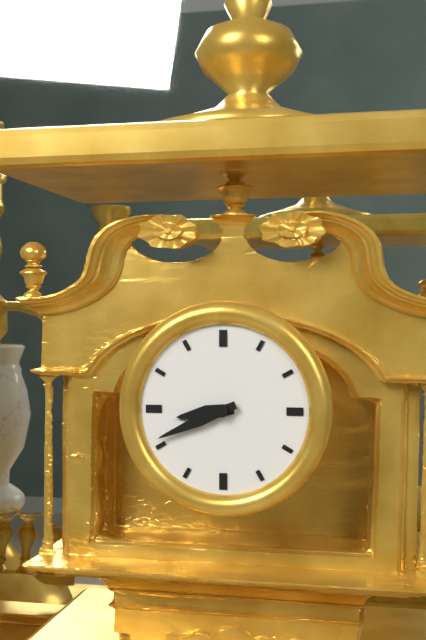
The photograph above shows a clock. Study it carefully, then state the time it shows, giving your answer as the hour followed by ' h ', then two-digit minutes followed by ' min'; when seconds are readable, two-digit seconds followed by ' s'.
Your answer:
8 h 41 min
